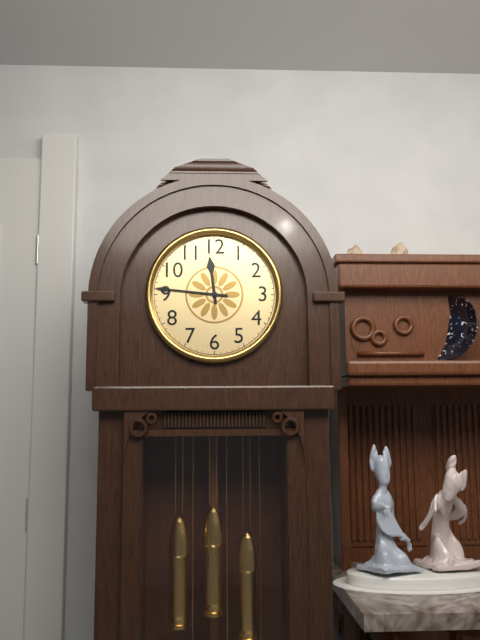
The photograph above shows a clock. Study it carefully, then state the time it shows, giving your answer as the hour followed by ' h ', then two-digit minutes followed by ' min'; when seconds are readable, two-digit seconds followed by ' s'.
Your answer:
11 h 46 min
